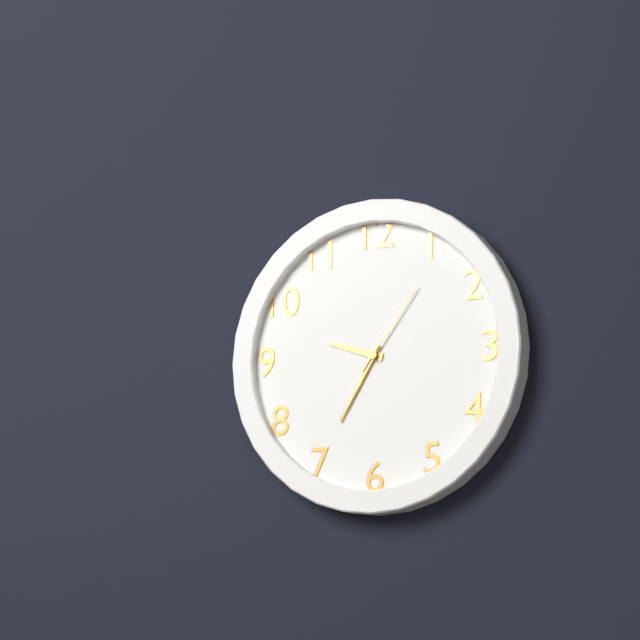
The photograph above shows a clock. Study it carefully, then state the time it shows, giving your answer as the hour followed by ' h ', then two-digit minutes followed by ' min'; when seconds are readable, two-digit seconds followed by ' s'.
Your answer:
9 h 35 min 06 s
